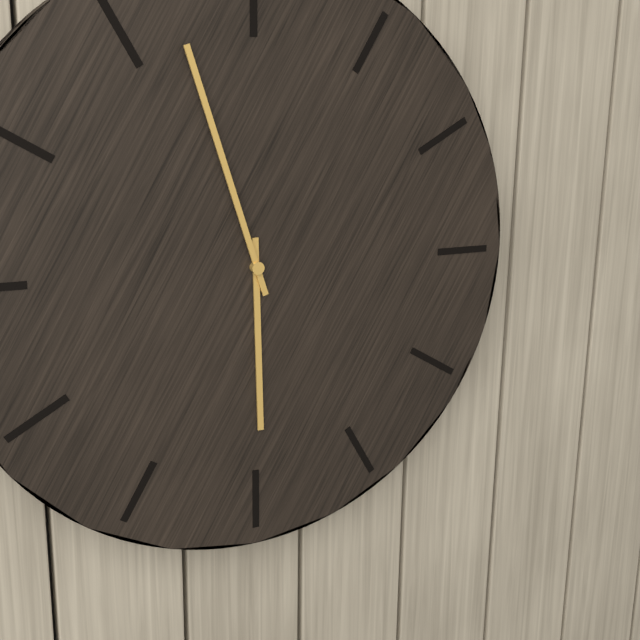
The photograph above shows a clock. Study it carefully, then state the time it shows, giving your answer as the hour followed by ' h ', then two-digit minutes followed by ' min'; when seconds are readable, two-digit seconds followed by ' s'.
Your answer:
5 h 57 min
